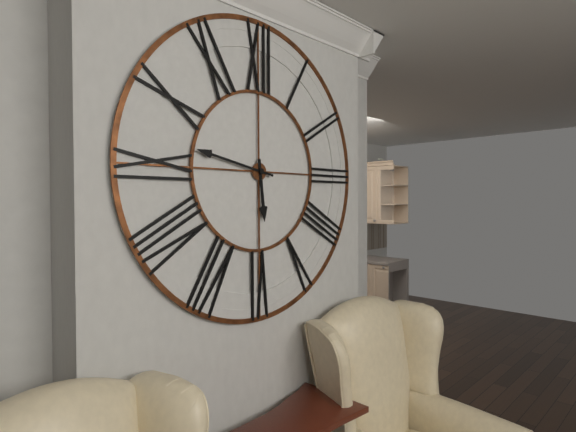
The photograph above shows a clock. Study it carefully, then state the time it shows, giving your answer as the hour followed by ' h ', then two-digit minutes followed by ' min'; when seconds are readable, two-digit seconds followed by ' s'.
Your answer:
5 h 47 min
